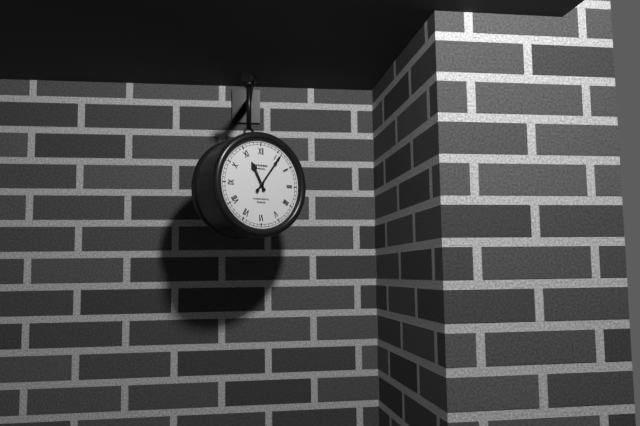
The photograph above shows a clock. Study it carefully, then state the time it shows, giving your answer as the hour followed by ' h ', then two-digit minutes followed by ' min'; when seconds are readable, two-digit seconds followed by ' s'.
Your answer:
11 h 06 min
